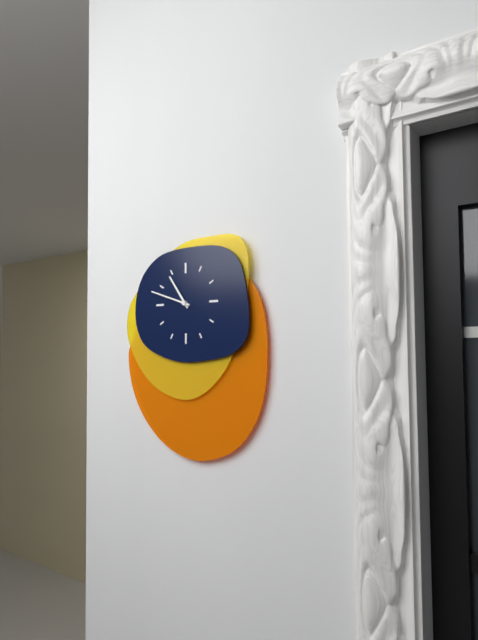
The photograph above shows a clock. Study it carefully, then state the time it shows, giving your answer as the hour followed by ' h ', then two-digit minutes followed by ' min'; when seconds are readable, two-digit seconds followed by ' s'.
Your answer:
10 h 48 min
